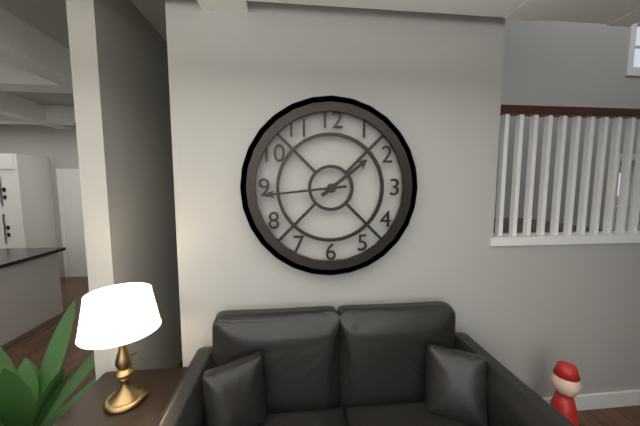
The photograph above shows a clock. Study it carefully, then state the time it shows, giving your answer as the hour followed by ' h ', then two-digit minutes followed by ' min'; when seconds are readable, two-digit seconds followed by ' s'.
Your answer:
1 h 44 min
